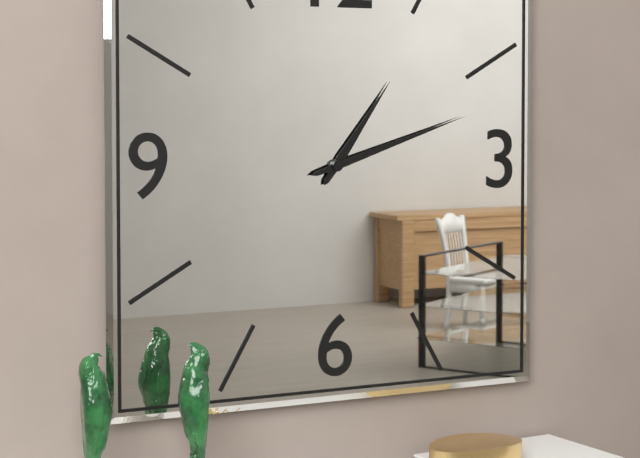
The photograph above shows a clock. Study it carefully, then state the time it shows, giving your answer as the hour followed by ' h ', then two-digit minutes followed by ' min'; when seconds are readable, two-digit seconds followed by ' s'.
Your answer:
1 h 12 min
